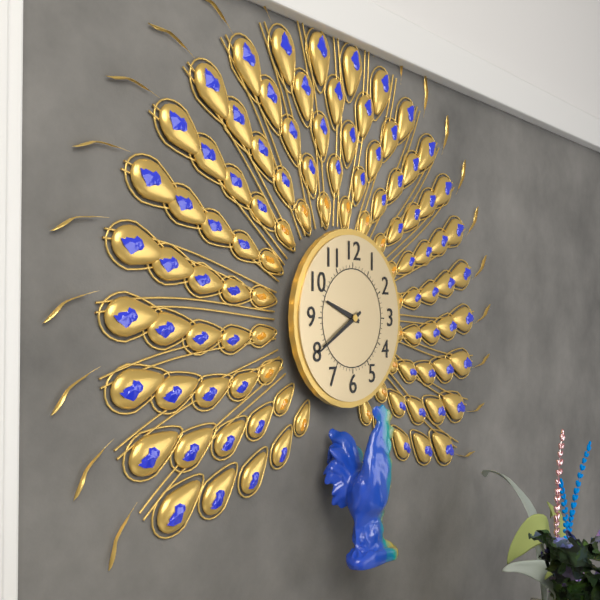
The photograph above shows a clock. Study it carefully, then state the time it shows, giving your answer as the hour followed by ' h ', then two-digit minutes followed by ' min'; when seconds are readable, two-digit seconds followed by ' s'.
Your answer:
9 h 40 min
